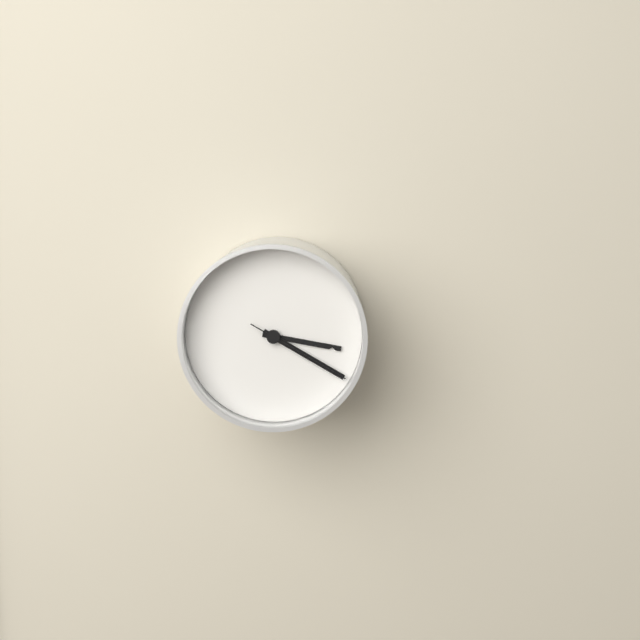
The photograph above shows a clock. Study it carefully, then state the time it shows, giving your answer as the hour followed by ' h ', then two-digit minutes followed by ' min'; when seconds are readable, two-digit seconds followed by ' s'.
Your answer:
3 h 20 min 20 s
